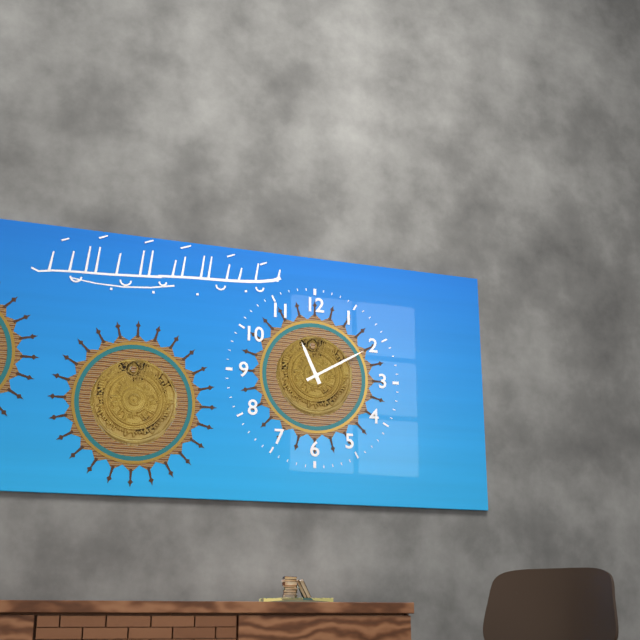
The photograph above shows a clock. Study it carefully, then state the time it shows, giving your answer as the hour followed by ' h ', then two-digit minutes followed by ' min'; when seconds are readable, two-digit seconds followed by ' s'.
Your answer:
11 h 10 min
